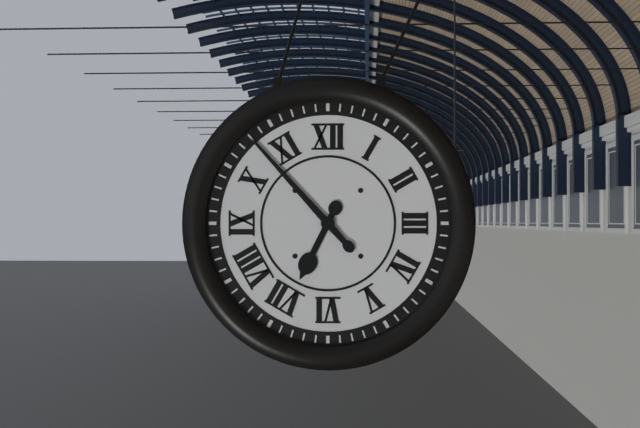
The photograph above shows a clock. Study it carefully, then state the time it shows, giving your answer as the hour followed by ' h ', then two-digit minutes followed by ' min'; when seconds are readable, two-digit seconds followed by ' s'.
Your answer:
6 h 53 min
